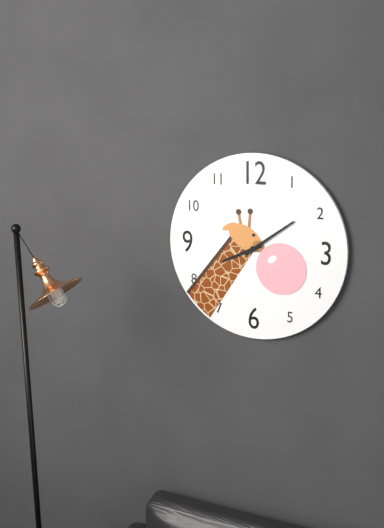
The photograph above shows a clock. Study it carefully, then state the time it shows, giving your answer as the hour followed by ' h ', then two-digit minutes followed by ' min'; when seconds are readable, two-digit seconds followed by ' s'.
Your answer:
8 h 09 min
